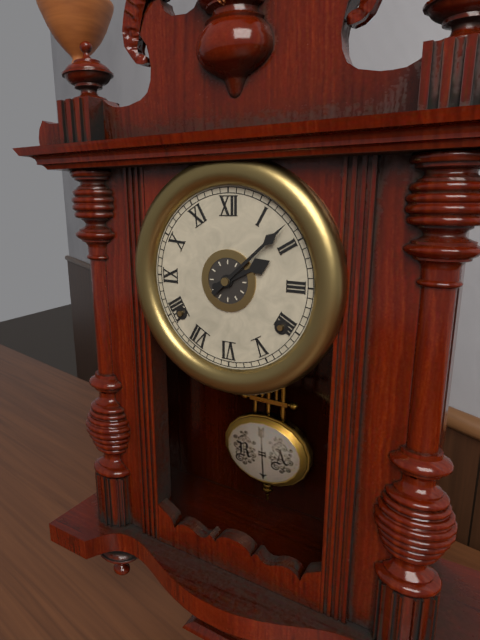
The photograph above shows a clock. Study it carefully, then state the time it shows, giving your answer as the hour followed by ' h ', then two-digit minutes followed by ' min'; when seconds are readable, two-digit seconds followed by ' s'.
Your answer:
2 h 08 min
